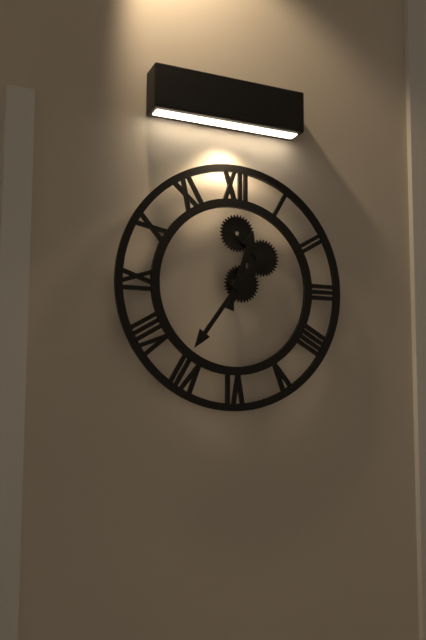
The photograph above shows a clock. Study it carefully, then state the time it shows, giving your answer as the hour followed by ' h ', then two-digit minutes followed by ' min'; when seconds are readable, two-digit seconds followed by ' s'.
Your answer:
12 h 36 min
